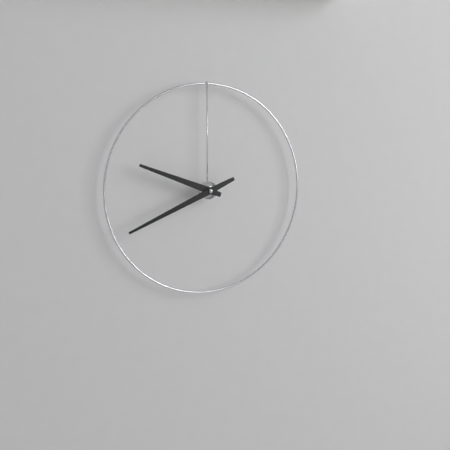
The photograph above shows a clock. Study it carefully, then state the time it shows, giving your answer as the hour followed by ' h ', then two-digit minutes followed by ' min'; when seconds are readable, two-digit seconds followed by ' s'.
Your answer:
9 h 41 min
